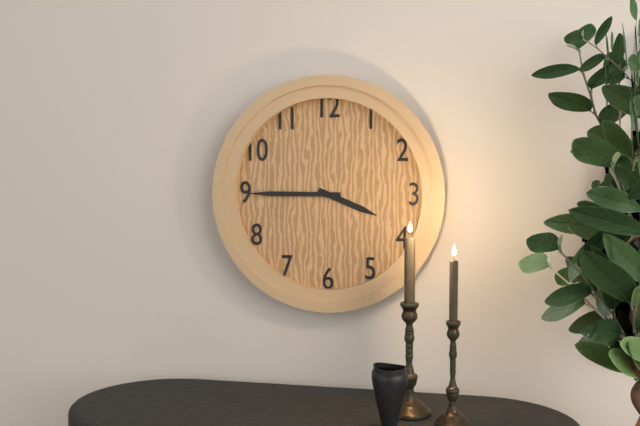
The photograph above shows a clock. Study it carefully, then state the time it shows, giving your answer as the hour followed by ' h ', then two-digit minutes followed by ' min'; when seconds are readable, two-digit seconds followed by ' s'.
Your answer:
3 h 45 min
